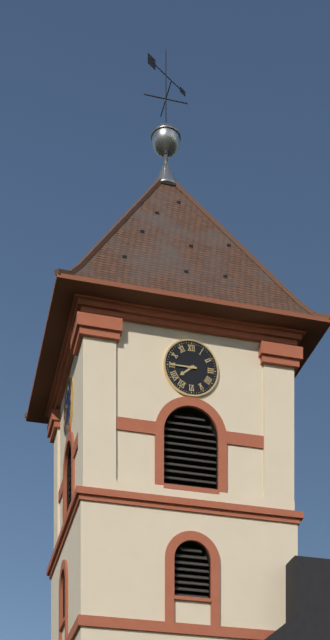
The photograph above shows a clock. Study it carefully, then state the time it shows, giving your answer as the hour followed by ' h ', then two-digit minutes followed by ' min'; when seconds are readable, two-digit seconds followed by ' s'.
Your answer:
7 h 45 min
